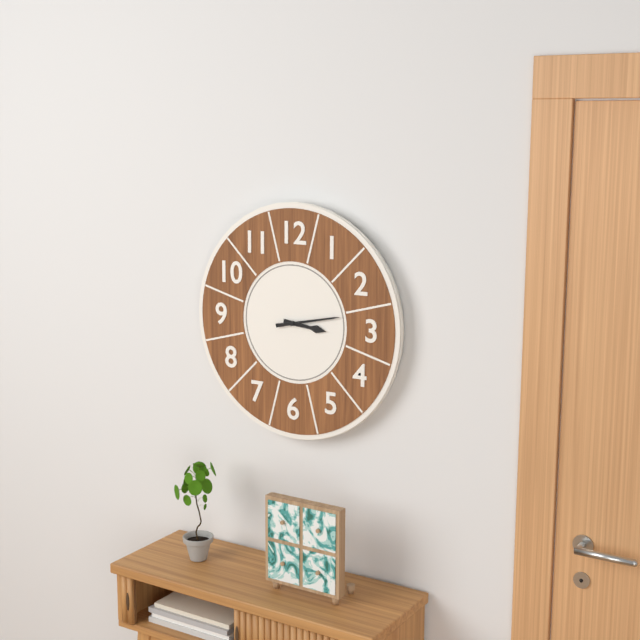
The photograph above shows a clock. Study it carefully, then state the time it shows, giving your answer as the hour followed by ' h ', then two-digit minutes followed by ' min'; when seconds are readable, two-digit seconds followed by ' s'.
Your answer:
3 h 13 min
